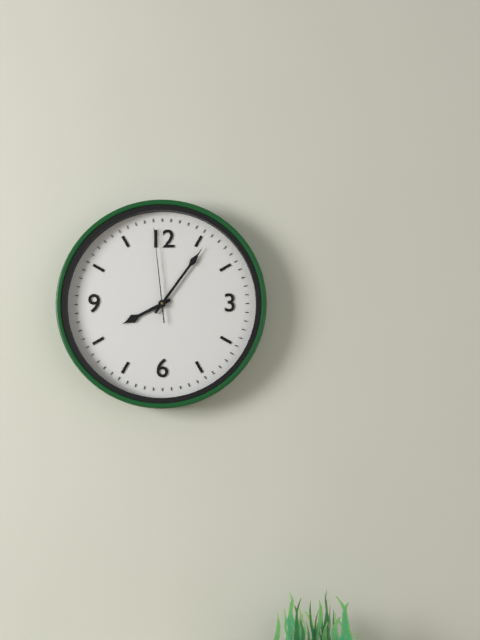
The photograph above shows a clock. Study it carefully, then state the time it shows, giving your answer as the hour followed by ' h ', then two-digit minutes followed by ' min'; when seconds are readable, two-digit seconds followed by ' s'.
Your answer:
8 h 06 min 59 s
